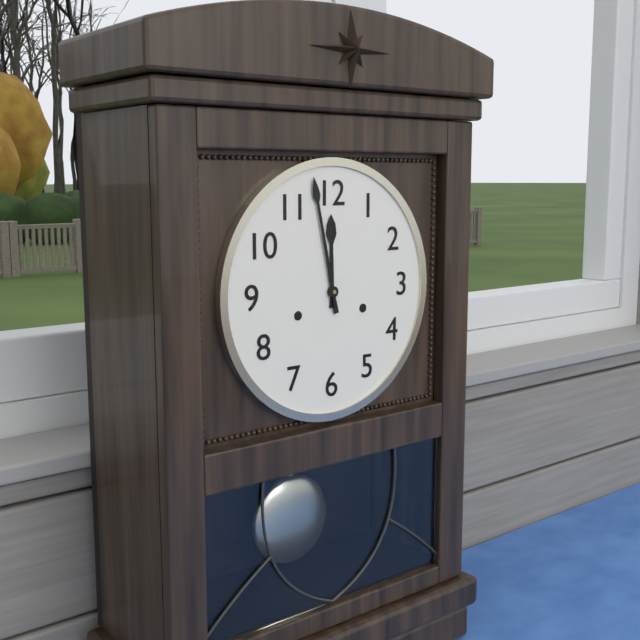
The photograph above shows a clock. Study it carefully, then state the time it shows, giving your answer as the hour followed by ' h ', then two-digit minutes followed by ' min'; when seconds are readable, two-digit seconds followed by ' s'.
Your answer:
11 h 58 min
